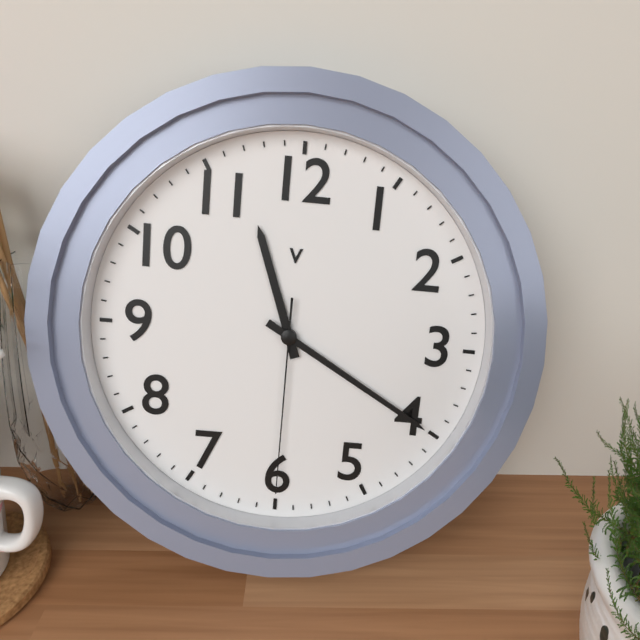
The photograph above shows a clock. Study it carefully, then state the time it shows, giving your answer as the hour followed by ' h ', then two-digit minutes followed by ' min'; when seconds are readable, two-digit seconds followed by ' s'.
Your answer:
11 h 20 min 30 s
